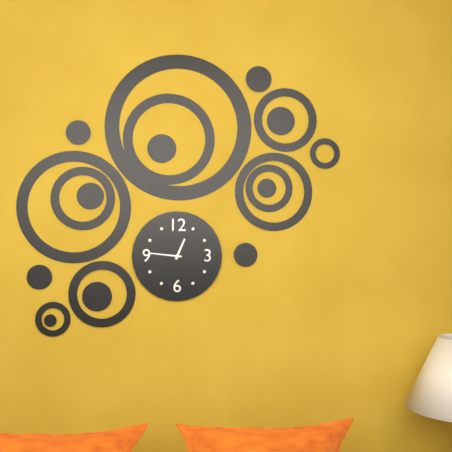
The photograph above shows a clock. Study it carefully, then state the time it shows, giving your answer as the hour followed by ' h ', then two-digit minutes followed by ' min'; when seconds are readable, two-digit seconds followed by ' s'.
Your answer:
12 h 46 min
